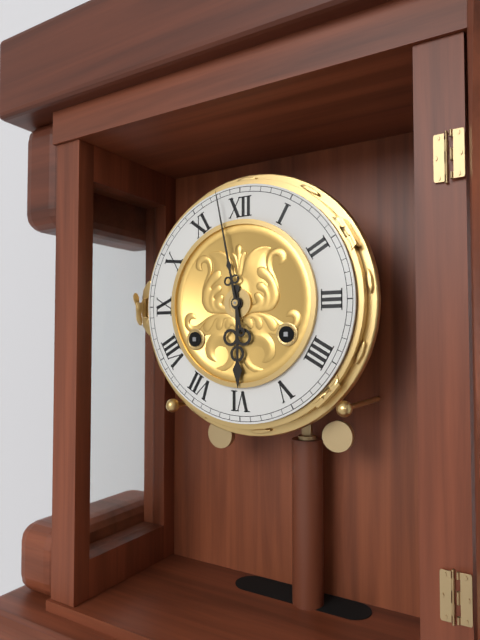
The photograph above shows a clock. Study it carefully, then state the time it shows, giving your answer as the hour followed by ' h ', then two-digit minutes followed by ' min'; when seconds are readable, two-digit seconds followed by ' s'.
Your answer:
5 h 58 min
